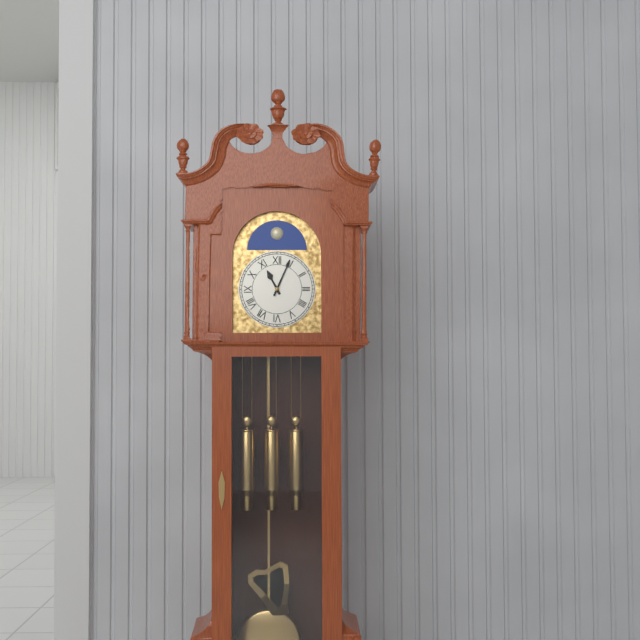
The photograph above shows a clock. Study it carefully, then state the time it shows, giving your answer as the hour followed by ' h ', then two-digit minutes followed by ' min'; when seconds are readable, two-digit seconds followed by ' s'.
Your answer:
11 h 04 min
